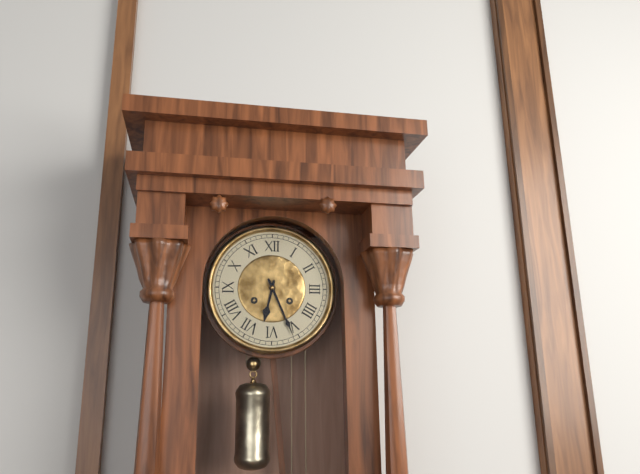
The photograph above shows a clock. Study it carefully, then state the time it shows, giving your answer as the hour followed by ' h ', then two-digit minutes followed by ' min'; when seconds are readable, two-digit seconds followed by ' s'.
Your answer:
6 h 26 min
